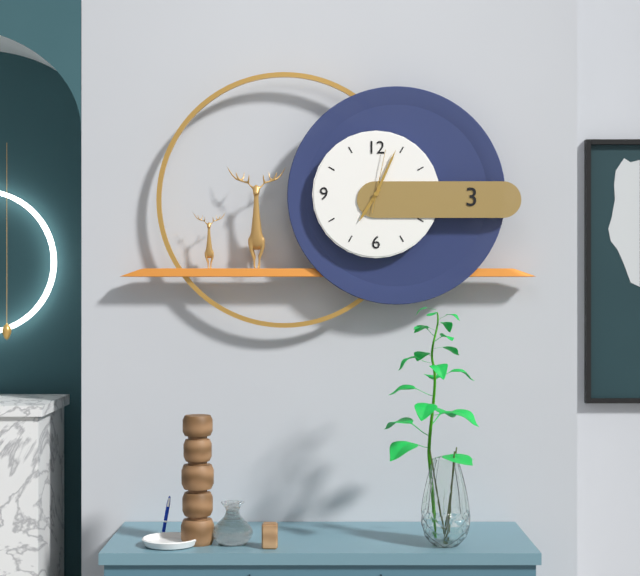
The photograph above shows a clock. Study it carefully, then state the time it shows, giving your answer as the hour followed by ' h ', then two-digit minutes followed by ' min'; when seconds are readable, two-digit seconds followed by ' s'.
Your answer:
7 h 04 min 02 s
